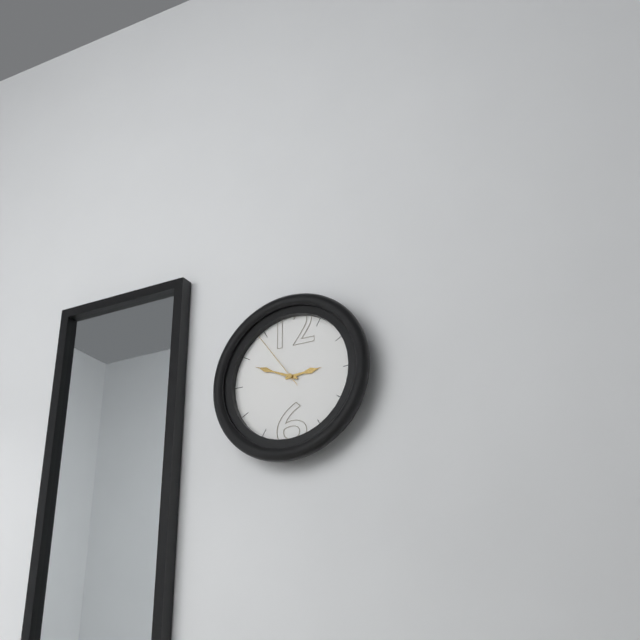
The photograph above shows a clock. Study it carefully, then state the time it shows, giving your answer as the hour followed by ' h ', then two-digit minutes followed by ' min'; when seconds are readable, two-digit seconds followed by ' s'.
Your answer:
2 h 49 min 54 s
